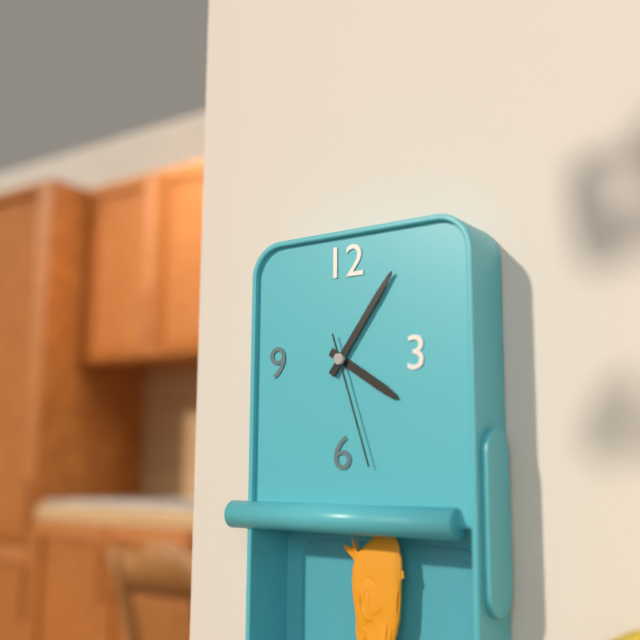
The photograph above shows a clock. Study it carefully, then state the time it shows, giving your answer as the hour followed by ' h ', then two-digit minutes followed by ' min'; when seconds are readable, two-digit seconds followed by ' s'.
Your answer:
4 h 06 min 27 s
